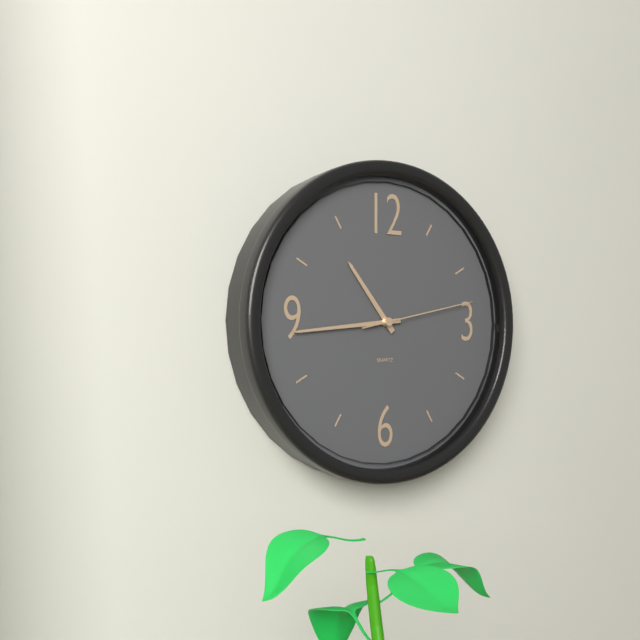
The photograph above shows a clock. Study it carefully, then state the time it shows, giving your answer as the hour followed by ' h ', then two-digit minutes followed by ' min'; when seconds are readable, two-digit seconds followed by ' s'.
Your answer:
10 h 44 min 13 s
